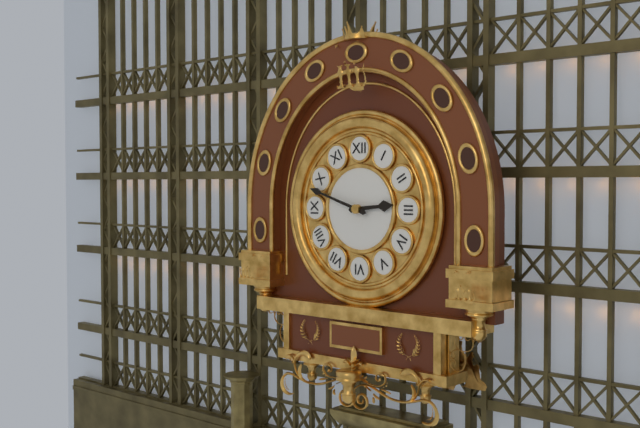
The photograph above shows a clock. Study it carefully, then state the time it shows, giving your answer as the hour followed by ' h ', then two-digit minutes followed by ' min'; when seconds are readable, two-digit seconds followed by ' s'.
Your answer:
2 h 48 min
